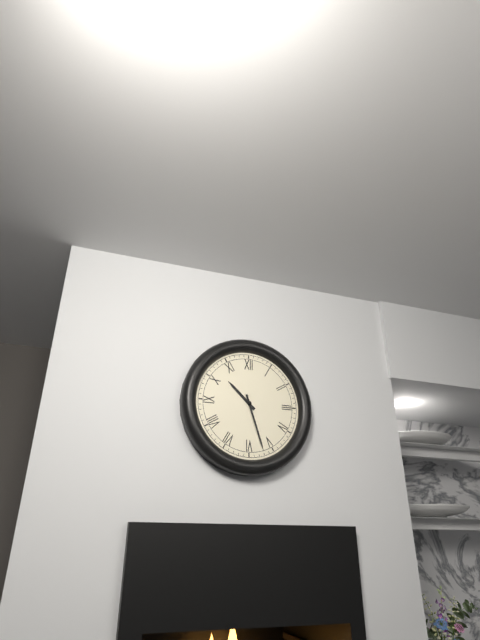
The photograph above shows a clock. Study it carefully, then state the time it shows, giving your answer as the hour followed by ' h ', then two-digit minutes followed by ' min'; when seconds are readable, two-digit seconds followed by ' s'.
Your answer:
10 h 27 min
